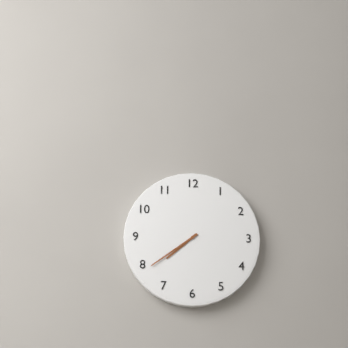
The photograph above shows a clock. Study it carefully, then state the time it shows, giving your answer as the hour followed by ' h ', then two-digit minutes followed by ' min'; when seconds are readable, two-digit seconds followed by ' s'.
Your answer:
7 h 39 min
